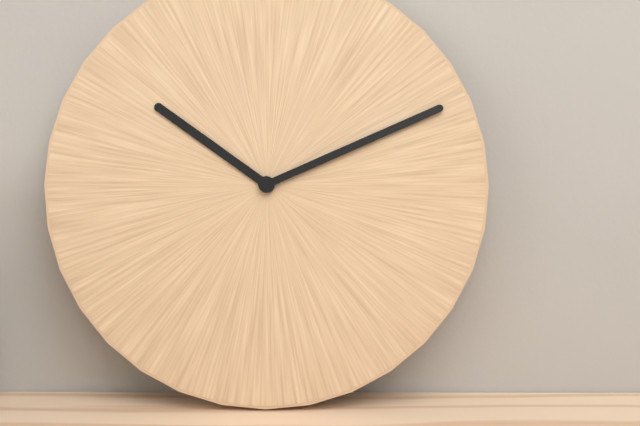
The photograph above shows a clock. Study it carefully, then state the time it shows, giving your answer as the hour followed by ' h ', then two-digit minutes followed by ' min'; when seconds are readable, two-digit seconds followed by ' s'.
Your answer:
10 h 11 min
